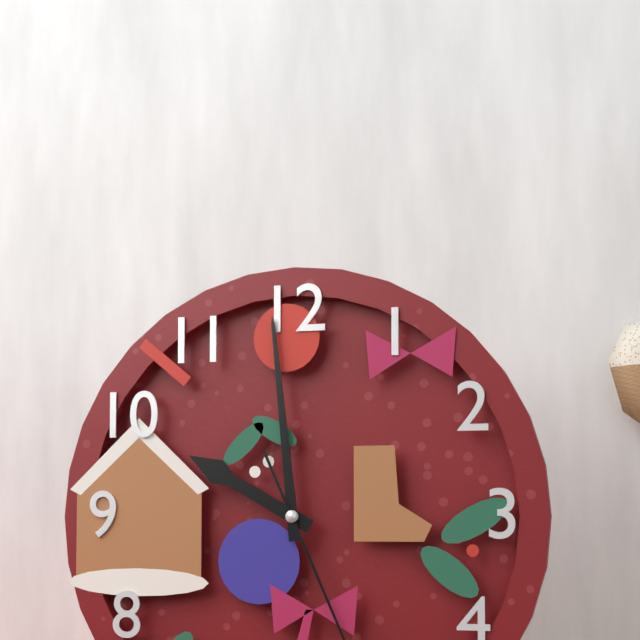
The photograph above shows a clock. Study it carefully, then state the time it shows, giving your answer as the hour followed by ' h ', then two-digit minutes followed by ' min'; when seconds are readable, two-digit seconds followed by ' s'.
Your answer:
9 h 59 min
